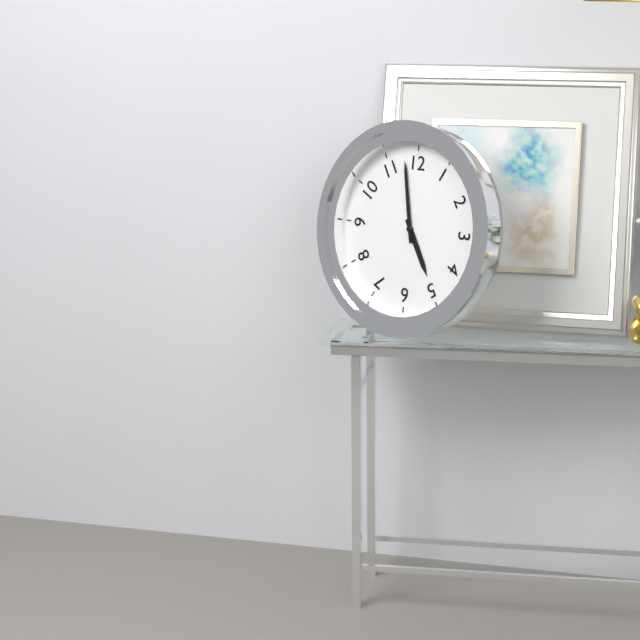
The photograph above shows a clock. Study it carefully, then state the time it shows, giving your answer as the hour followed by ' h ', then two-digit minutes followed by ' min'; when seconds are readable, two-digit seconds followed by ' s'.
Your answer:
4 h 58 min
